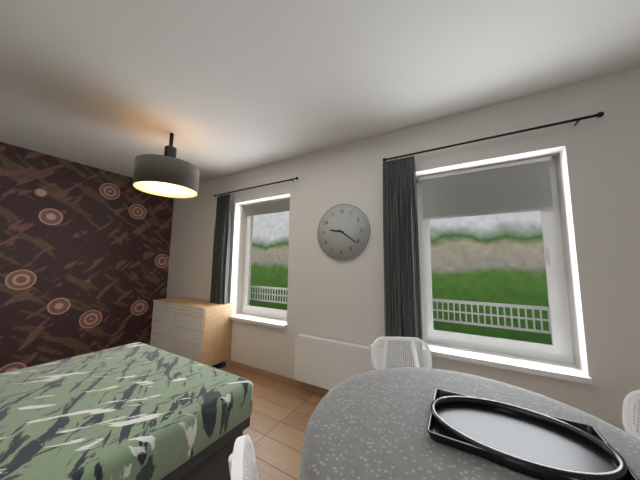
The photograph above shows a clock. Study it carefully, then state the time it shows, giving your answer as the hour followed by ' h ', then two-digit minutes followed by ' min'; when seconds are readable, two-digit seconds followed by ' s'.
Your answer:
9 h 21 min
